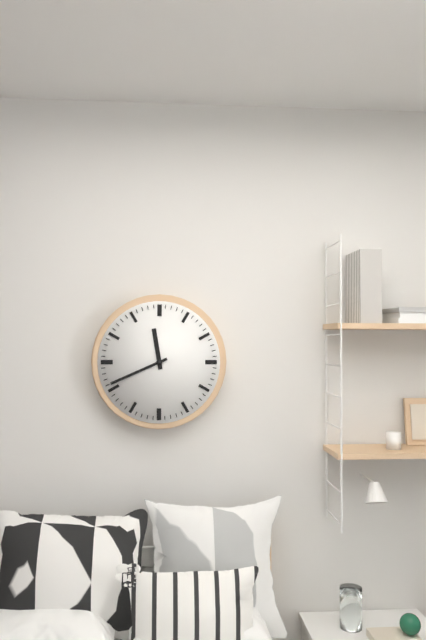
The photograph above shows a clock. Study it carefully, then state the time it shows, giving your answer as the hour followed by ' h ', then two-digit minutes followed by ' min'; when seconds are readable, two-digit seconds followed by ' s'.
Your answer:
11 h 41 min
